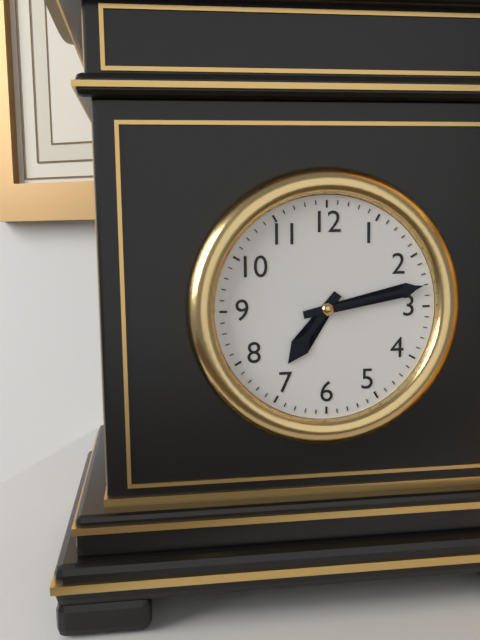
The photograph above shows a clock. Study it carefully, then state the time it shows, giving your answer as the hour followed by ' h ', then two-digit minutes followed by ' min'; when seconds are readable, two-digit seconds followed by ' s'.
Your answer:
7 h 13 min
